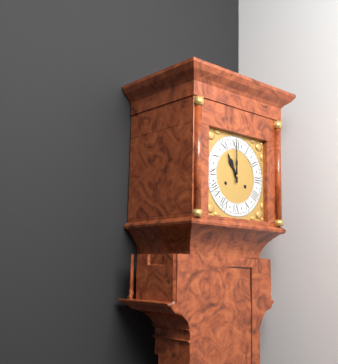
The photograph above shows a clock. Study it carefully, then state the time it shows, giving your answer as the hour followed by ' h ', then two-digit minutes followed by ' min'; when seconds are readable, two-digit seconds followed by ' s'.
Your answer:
11 h 00 min
